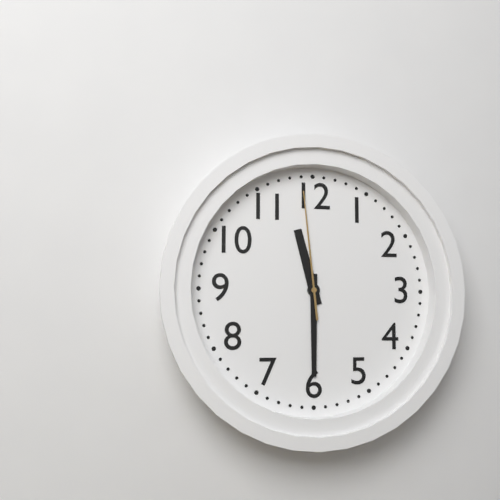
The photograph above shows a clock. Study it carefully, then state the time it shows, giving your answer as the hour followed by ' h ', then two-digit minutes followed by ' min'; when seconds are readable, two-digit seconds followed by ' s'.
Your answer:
11 h 30 min 59 s
